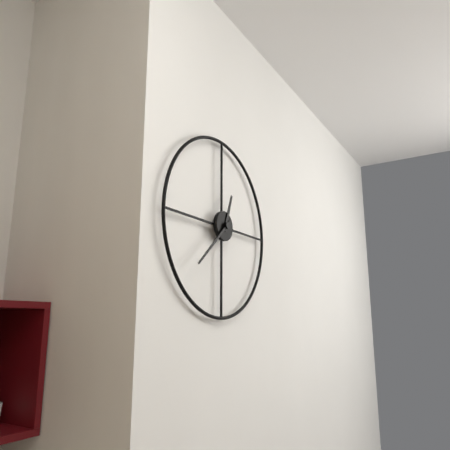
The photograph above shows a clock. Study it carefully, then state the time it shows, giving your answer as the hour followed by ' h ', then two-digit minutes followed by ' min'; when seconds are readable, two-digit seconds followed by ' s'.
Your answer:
12 h 38 min
